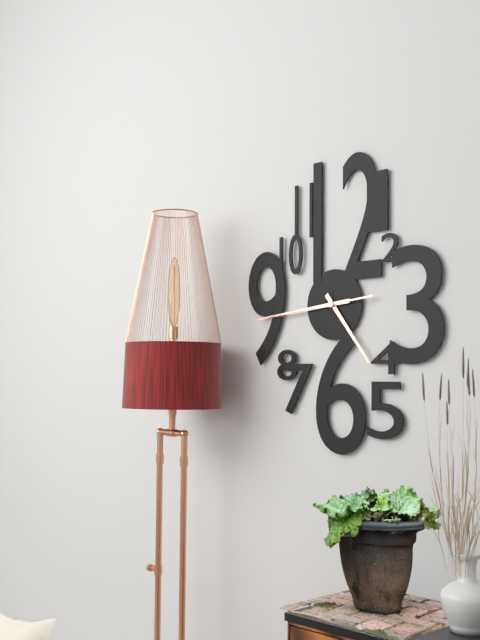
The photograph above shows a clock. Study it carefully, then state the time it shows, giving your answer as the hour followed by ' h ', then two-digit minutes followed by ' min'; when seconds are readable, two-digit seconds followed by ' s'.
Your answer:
4 h 44 min 44 s
